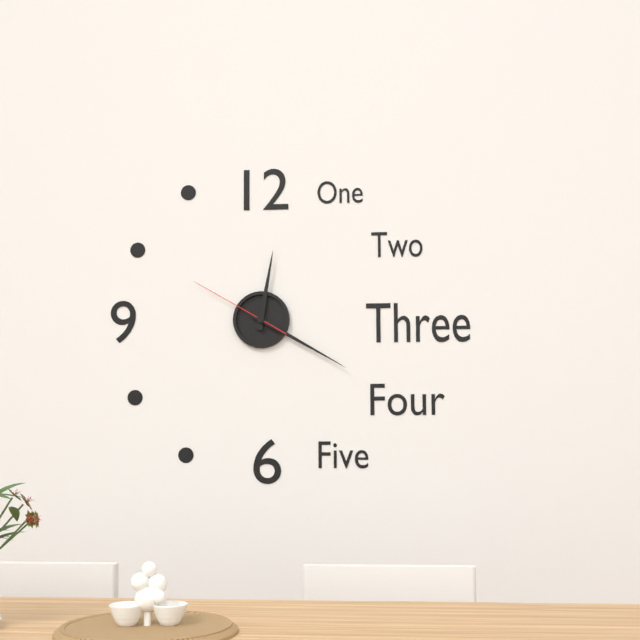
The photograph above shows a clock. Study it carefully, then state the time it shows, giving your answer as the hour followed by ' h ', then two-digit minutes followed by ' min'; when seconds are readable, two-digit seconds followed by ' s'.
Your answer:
12 h 20 min 50 s
